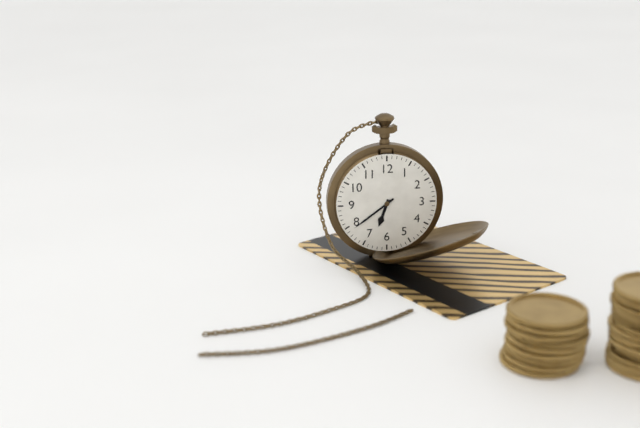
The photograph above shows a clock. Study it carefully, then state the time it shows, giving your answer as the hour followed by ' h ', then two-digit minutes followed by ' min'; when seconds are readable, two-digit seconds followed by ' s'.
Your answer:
6 h 39 min
